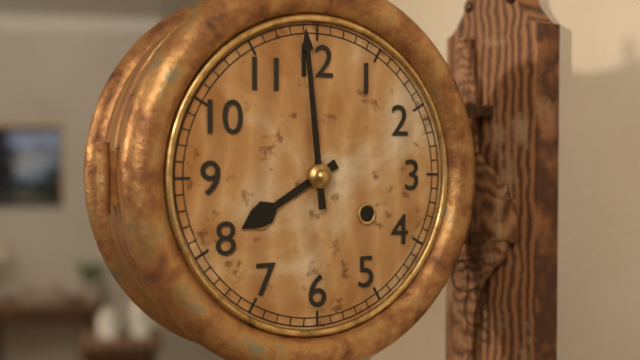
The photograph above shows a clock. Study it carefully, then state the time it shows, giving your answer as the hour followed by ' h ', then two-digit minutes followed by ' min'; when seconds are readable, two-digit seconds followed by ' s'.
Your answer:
7 h 59 min
